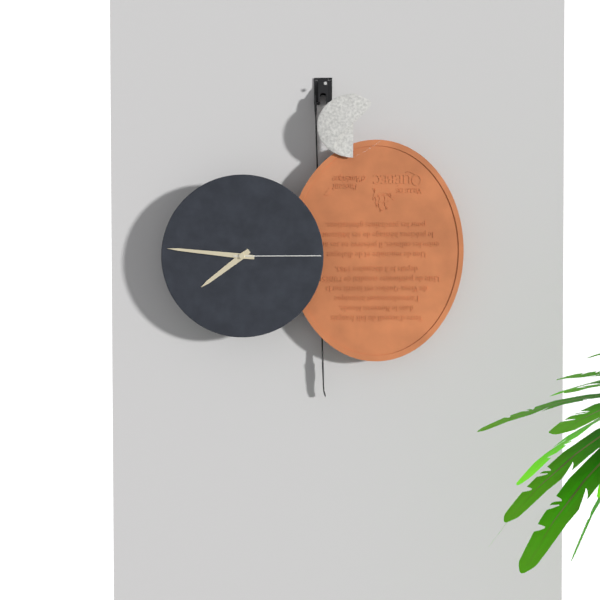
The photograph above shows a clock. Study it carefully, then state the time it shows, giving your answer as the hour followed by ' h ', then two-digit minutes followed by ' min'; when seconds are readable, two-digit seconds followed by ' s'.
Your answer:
7 h 46 min 15 s
